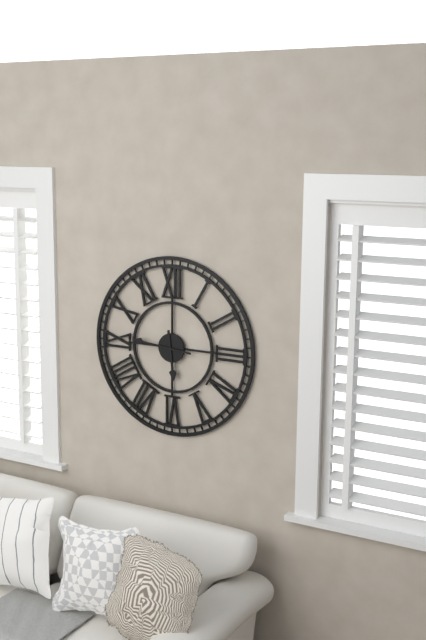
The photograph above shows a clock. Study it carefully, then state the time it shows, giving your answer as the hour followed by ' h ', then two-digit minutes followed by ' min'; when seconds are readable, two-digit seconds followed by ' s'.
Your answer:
5 h 46 min
